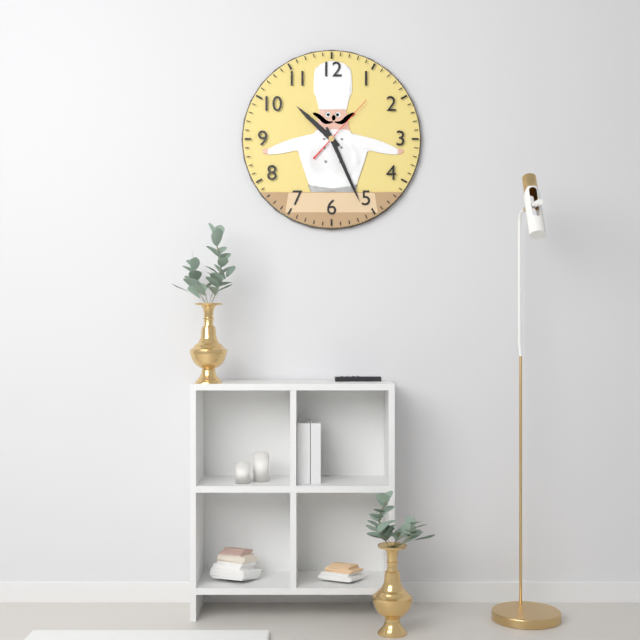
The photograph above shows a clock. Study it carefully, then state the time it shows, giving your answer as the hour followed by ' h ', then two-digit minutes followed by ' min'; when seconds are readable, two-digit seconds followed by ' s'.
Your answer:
10 h 26 min 07 s
